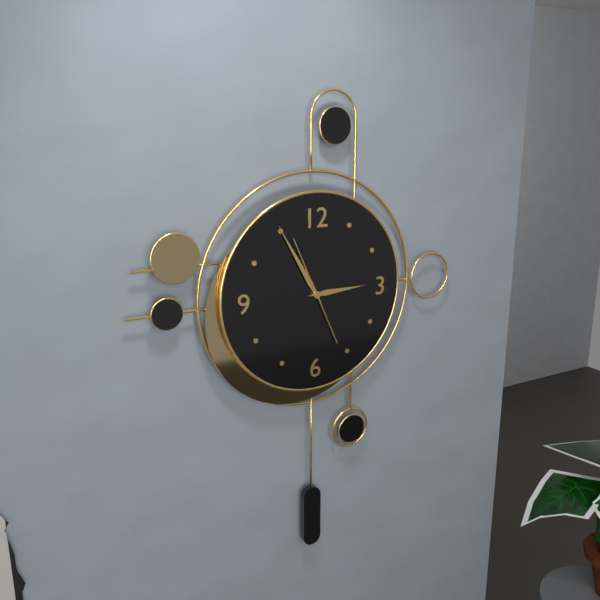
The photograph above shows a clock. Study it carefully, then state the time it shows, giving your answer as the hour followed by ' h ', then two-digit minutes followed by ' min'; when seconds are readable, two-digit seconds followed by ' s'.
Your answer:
2 h 55 min 56 s
